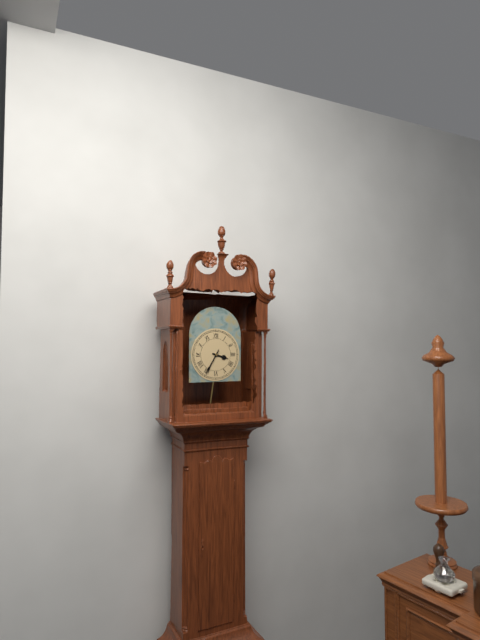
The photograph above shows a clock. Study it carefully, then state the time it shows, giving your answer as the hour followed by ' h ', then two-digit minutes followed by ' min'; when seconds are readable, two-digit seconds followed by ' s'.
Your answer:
3 h 35 min
